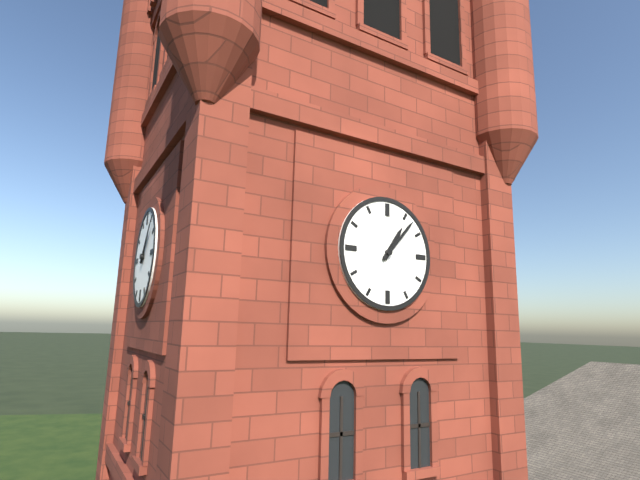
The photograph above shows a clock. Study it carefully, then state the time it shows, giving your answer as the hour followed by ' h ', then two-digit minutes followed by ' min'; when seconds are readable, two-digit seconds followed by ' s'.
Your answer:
1 h 07 min
